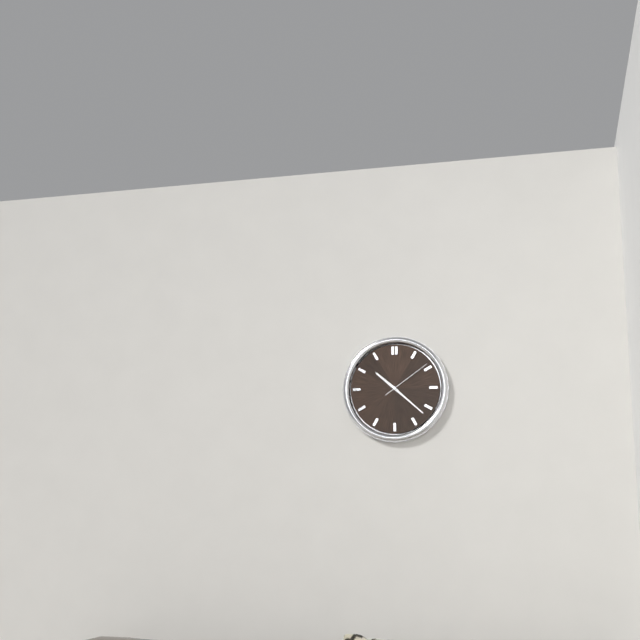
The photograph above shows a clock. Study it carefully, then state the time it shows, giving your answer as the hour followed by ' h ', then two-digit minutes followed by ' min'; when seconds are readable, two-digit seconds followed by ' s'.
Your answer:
10 h 22 min 09 s
